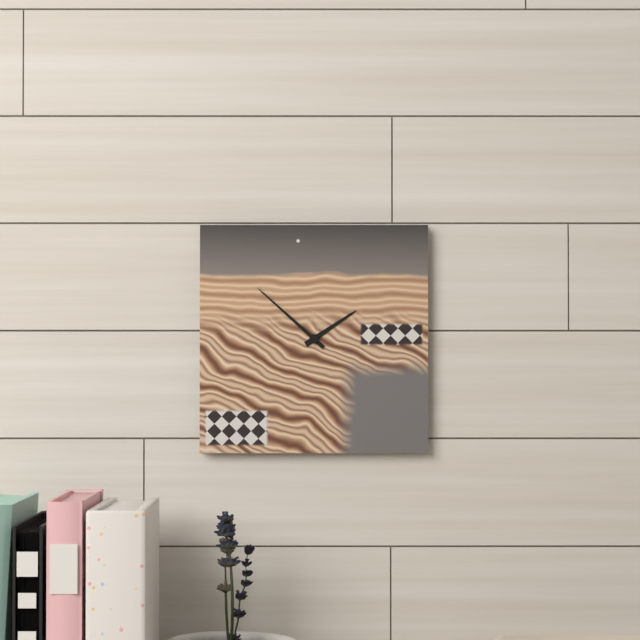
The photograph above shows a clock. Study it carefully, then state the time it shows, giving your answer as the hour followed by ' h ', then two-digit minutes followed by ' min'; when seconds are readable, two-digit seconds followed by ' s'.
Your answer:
1 h 52 min
